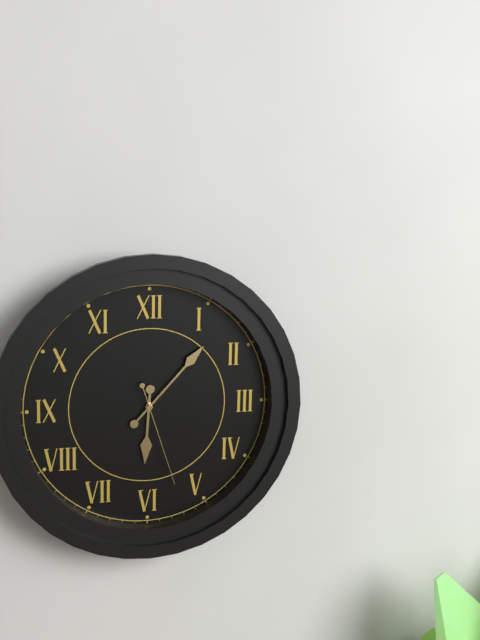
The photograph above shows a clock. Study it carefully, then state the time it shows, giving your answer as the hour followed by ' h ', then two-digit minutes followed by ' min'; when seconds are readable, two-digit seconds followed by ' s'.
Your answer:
6 h 07 min 27 s
